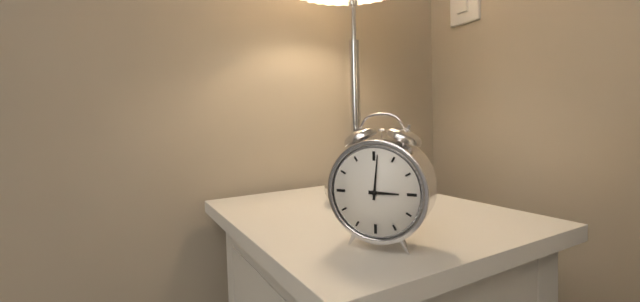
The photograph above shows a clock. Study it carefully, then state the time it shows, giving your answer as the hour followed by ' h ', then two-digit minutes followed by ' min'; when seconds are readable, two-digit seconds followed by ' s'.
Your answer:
3 h 01 min
